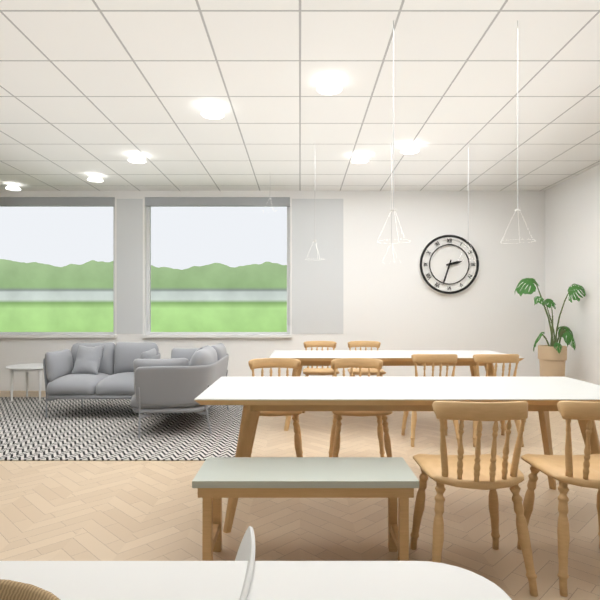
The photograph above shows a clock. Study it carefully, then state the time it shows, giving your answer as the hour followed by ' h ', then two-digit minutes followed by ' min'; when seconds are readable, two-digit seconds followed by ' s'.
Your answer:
2 h 33 min
